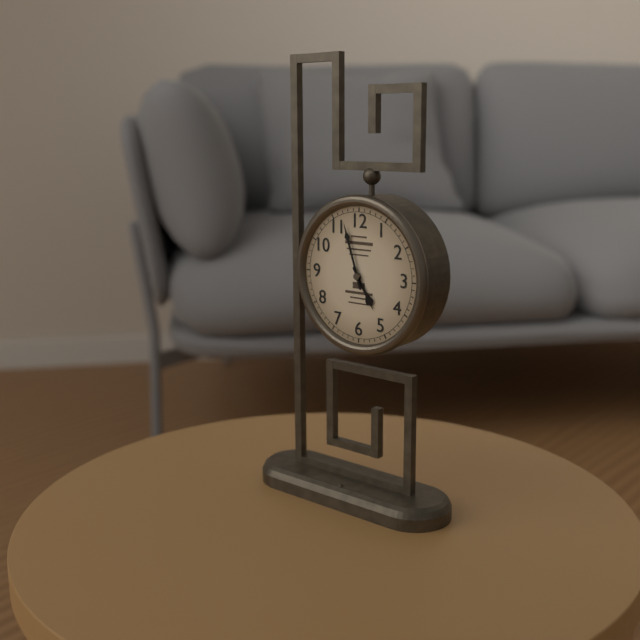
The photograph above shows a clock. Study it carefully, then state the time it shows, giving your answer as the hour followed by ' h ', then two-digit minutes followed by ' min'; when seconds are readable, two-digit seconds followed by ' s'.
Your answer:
4 h 57 min
